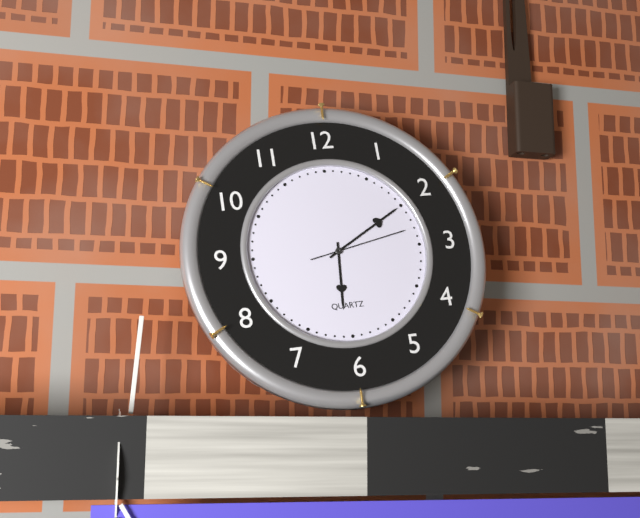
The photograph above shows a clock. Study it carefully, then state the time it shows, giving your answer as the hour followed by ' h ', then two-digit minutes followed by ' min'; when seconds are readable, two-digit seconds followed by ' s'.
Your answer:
6 h 10 min 13 s
